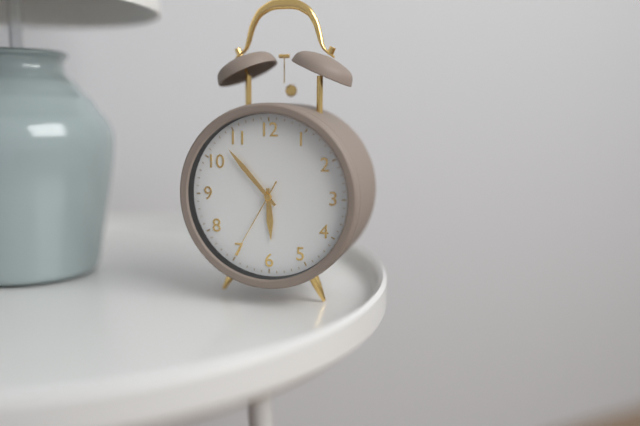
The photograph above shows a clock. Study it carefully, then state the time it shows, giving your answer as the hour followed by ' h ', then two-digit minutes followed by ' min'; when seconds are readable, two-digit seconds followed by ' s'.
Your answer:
5 h 53 min 35 s
